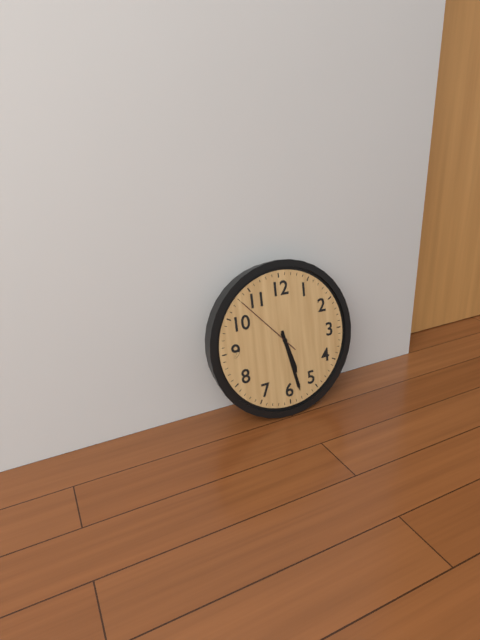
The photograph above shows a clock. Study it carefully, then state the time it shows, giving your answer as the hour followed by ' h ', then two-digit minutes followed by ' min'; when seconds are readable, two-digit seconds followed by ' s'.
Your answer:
5 h 28 min 53 s
